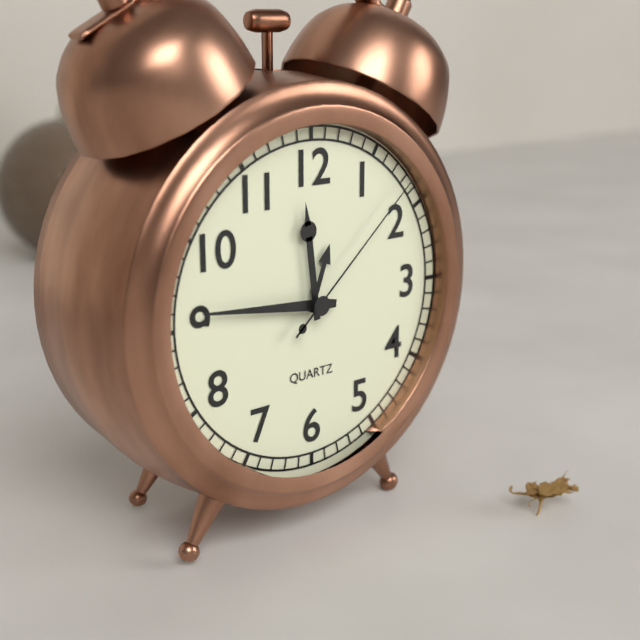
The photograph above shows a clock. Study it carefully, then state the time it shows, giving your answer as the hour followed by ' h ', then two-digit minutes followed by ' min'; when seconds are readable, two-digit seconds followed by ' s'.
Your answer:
11 h 46 min 08 s
